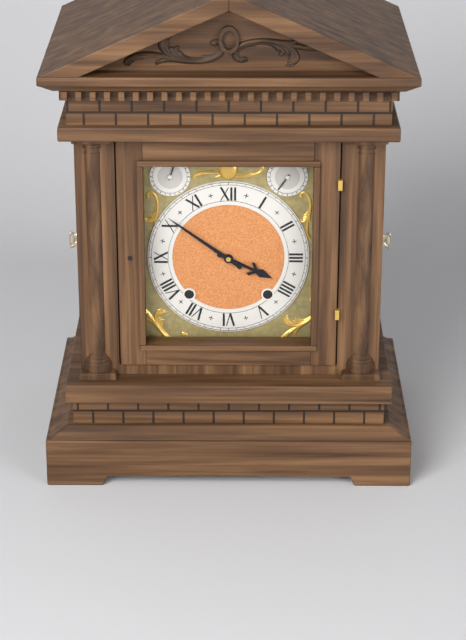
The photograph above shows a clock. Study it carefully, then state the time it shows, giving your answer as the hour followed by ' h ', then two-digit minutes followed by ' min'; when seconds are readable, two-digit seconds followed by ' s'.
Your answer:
3 h 51 min
